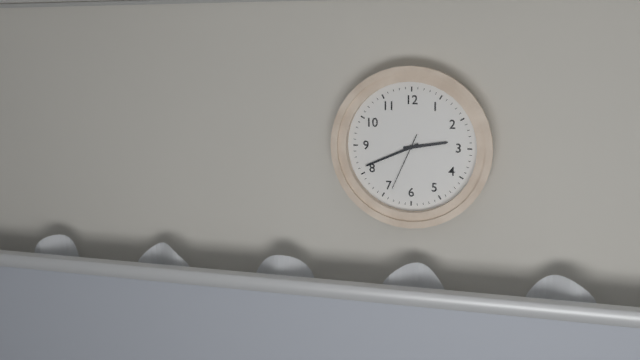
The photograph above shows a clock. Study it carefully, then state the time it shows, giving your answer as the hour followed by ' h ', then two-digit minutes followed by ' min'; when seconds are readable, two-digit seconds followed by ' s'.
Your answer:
2 h 41 min 34 s
